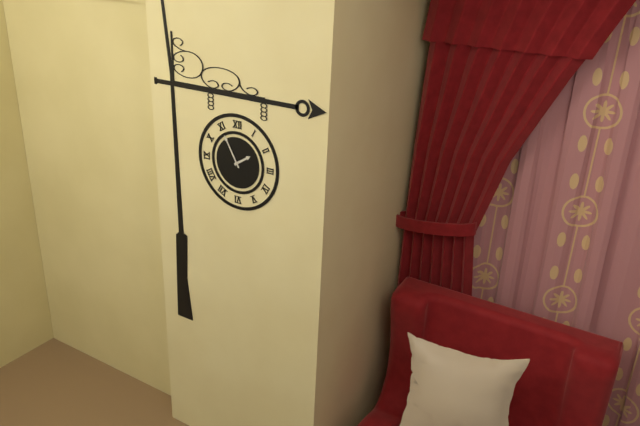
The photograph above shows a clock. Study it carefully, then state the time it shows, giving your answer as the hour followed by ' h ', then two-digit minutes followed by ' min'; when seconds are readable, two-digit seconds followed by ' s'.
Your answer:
1 h 55 min
